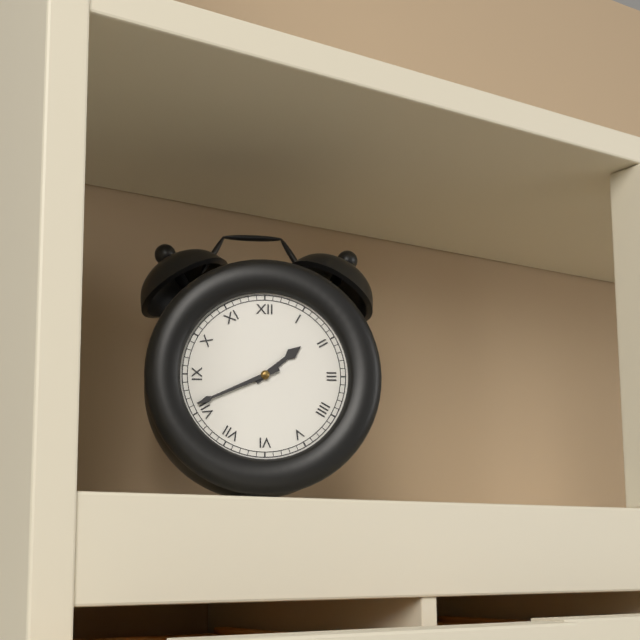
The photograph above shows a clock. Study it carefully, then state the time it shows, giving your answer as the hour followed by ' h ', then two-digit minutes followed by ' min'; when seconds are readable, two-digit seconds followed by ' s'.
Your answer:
1 h 41 min
